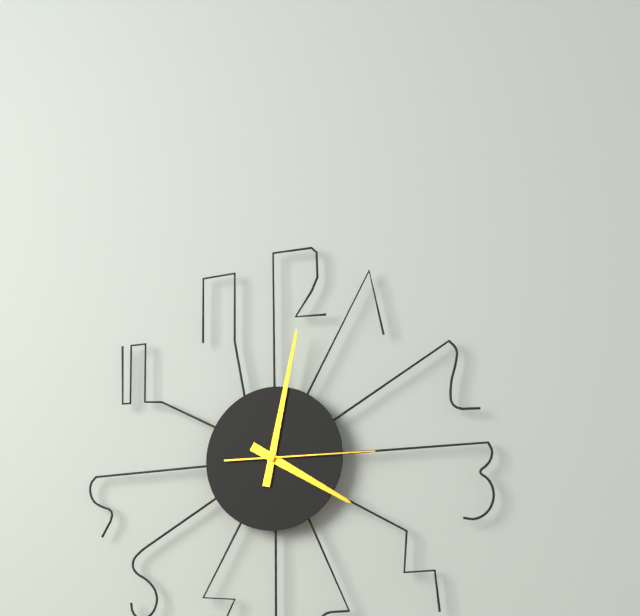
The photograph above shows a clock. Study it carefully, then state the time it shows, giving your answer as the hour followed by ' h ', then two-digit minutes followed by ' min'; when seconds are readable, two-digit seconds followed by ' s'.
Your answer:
4 h 02 min 15 s
